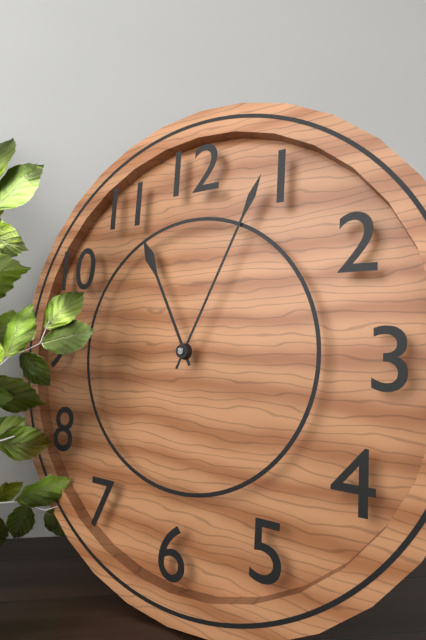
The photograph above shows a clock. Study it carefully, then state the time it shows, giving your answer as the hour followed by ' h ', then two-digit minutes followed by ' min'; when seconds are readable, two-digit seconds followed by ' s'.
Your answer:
11 h 04 min
